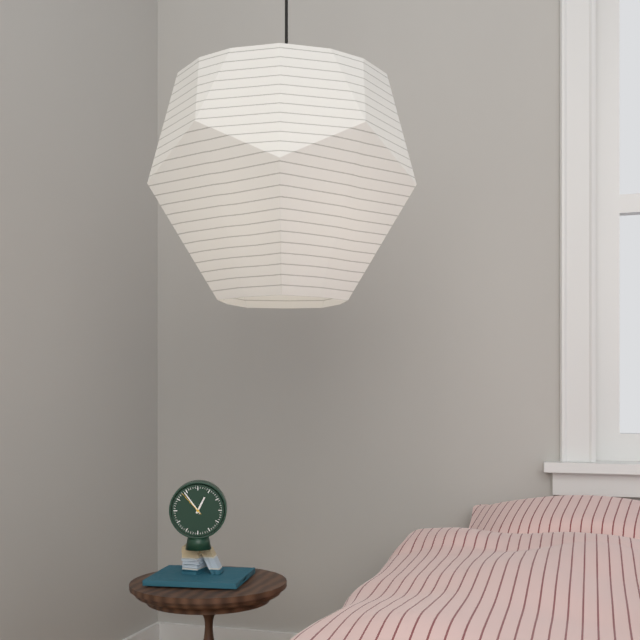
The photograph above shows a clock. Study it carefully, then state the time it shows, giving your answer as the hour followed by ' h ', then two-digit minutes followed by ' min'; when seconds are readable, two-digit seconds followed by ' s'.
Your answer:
12 h 54 min
